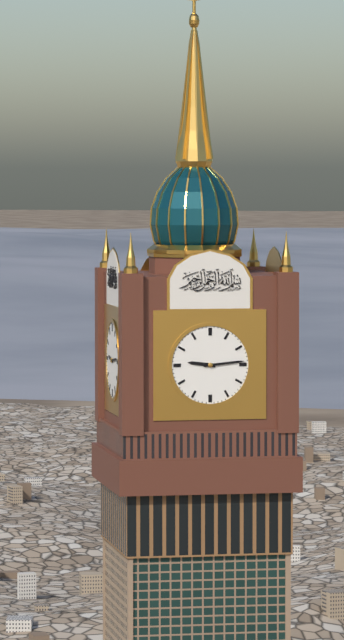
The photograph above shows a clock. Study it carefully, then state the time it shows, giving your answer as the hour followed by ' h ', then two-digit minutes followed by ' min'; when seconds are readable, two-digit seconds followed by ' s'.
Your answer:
9 h 14 min
